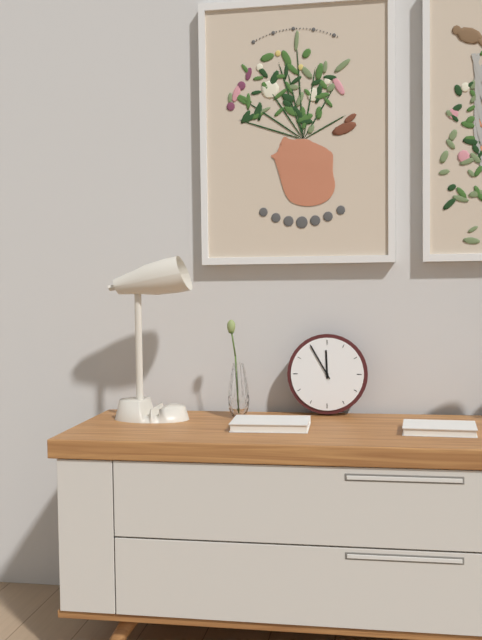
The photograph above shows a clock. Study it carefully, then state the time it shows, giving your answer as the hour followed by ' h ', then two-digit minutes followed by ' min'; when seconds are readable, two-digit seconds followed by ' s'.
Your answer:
11 h 55 min
